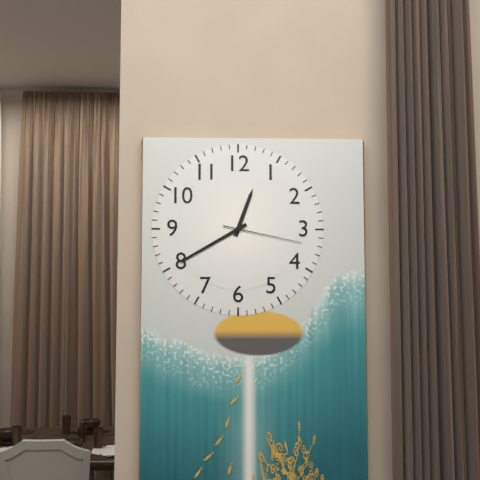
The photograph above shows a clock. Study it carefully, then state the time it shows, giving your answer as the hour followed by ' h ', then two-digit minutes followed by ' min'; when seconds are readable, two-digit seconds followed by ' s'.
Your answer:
12 h 40 min 17 s
